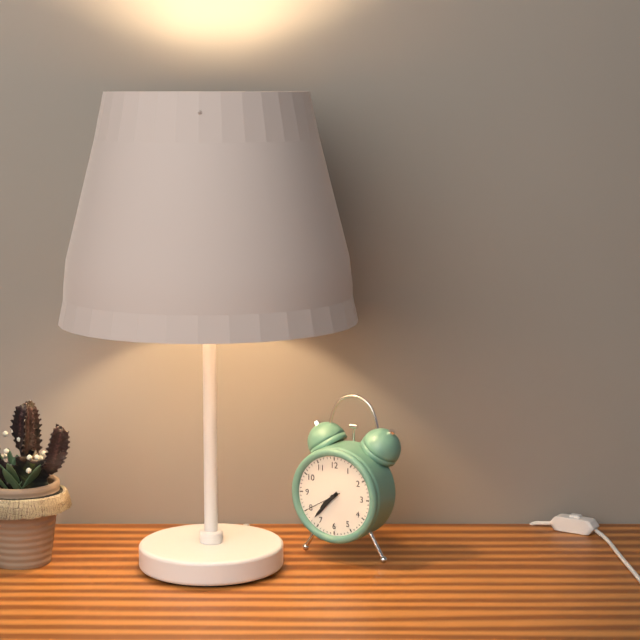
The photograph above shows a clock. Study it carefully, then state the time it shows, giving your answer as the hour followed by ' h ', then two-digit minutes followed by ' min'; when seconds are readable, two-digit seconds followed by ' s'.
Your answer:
7 h 37 min
